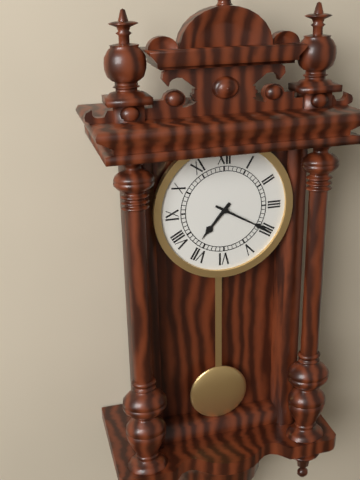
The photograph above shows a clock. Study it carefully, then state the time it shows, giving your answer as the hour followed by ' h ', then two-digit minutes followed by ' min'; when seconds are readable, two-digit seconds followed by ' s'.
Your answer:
7 h 20 min
